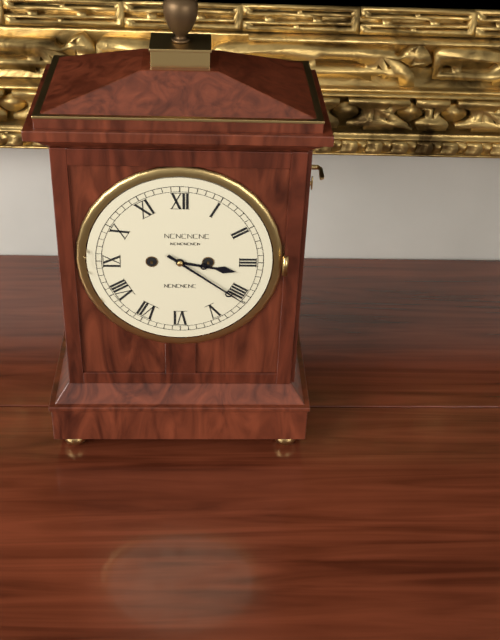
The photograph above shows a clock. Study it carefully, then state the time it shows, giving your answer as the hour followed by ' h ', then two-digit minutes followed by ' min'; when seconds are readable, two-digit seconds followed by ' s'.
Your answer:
3 h 21 min
